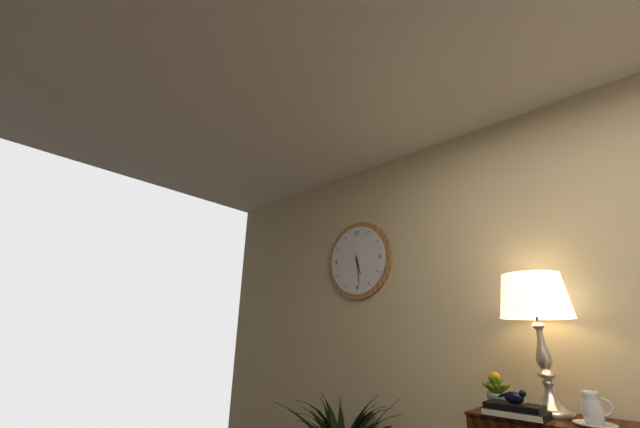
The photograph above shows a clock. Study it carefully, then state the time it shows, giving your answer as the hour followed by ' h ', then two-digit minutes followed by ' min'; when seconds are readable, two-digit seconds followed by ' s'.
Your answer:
5 h 29 min
